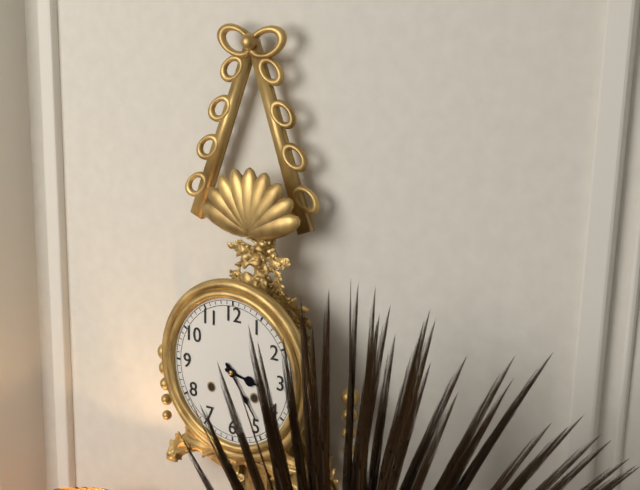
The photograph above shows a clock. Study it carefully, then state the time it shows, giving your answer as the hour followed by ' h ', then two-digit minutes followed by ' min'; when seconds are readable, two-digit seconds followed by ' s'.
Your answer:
3 h 24 min
